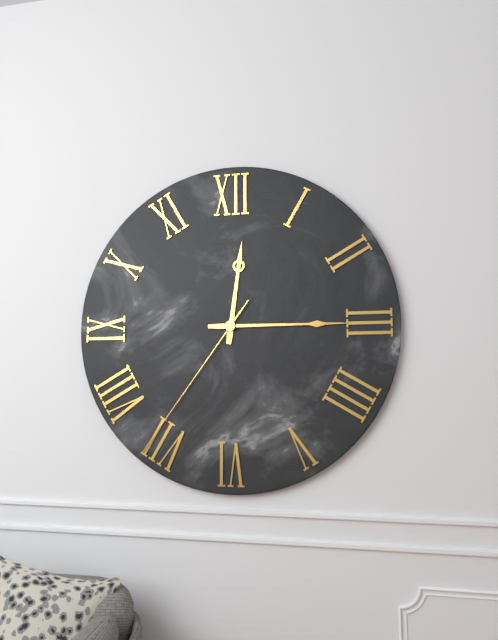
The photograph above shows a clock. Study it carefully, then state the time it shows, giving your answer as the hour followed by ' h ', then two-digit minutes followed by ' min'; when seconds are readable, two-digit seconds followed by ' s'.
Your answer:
12 h 15 min 36 s
